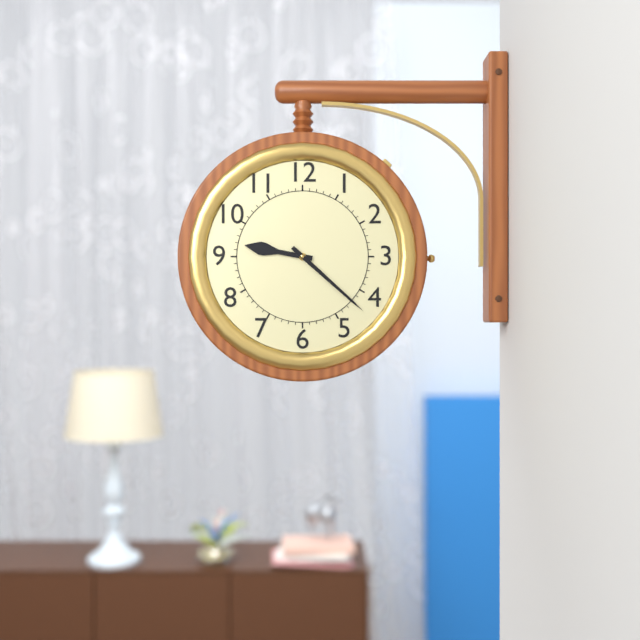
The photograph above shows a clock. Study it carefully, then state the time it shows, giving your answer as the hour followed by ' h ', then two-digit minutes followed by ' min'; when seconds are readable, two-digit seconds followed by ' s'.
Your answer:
9 h 22 min
